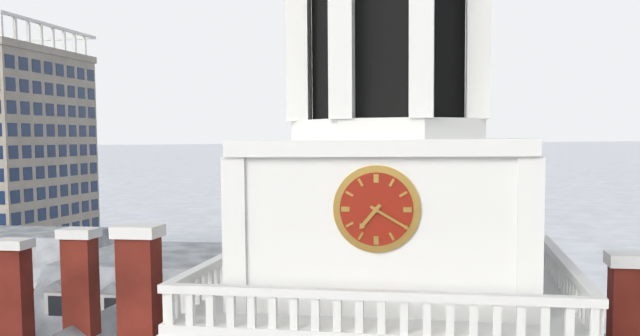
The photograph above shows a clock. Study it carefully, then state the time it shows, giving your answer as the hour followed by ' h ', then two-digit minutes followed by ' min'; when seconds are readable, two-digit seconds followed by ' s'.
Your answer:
7 h 20 min
